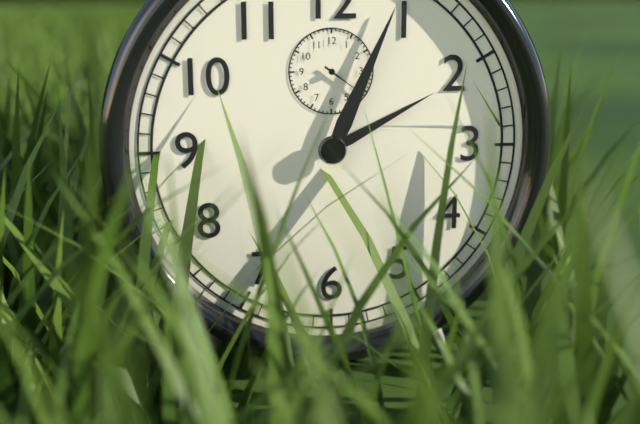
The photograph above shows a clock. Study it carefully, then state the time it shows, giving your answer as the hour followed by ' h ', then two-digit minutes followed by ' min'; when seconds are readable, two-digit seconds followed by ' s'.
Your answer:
2 h 04 min
